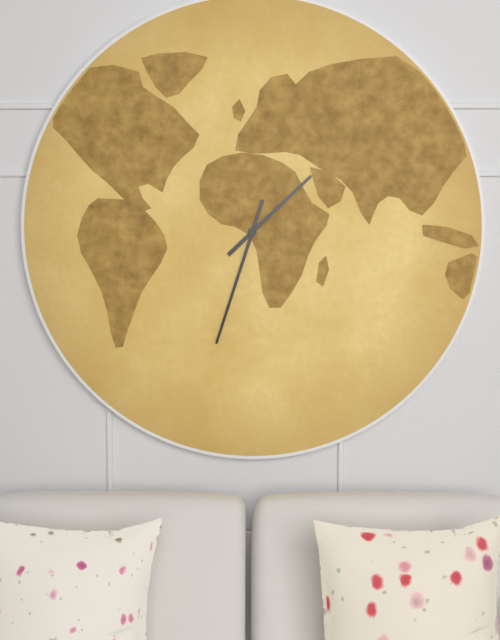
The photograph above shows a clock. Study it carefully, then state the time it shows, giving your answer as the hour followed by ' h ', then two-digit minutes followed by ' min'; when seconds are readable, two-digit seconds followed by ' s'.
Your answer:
1 h 33 min
